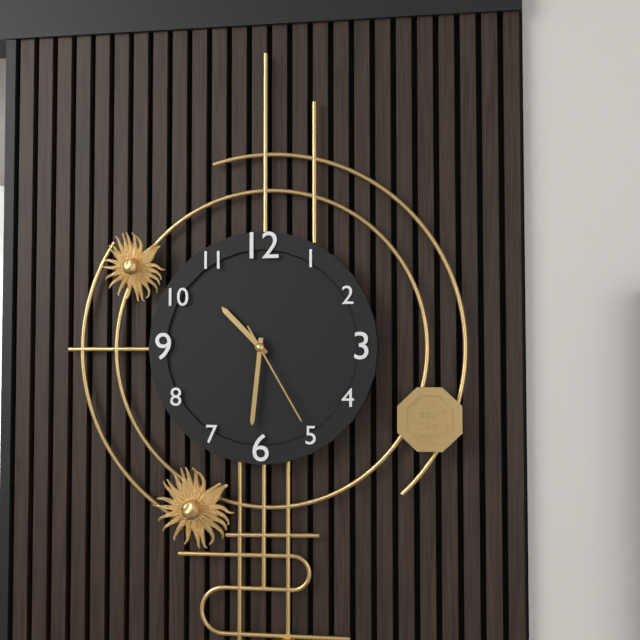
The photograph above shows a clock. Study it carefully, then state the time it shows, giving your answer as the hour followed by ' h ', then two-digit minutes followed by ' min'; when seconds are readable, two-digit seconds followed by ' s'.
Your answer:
10 h 31 min 25 s
